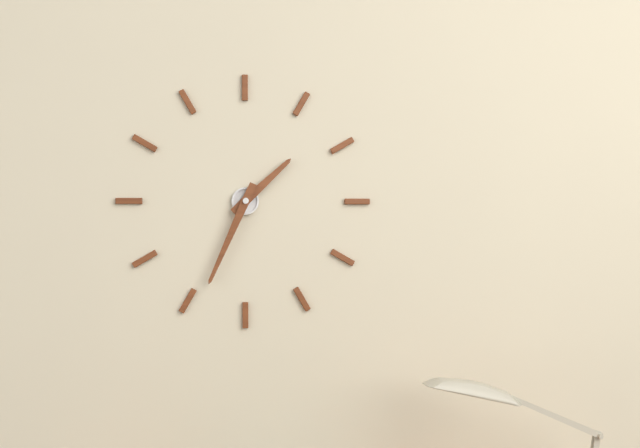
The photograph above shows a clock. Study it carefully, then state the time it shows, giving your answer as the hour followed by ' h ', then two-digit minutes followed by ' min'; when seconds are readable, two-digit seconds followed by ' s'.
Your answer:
1 h 34 min
